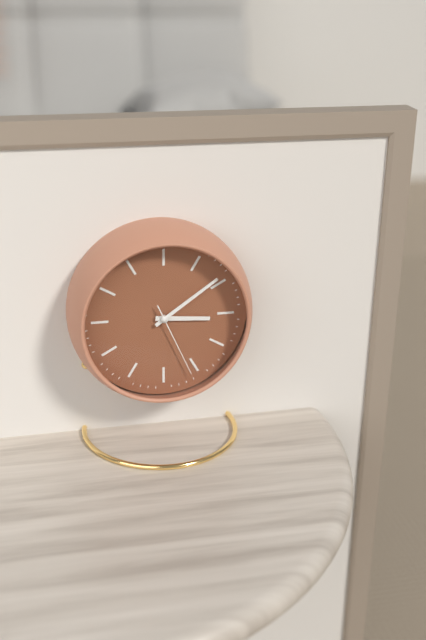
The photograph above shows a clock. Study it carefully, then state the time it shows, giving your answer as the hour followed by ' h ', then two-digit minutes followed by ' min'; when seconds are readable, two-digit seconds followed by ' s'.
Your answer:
3 h 09 min 26 s
